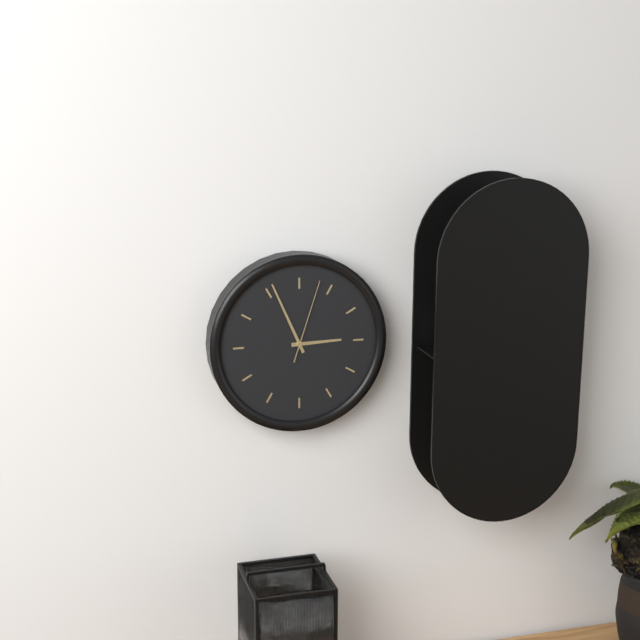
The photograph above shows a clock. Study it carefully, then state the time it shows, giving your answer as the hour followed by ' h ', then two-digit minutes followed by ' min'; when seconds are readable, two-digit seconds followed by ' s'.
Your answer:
2 h 56 min 03 s
